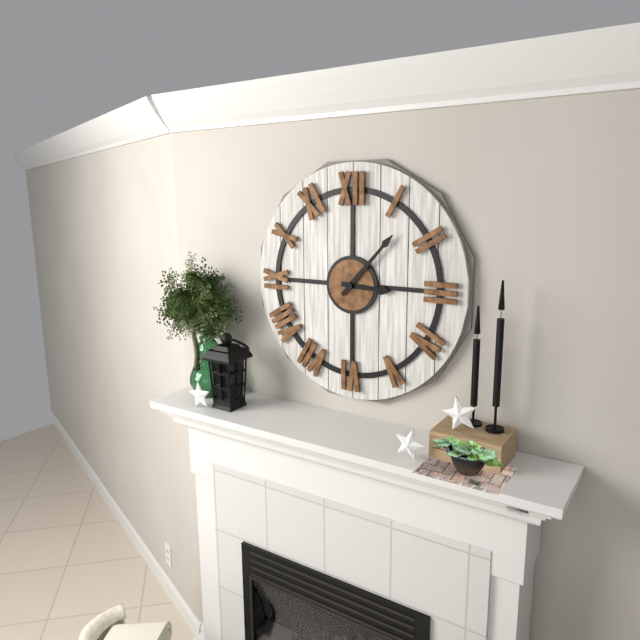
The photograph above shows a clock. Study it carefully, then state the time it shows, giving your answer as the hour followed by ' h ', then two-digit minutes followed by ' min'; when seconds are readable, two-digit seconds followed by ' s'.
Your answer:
3 h 07 min
